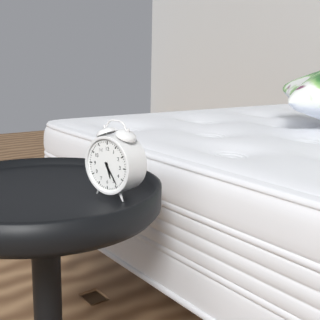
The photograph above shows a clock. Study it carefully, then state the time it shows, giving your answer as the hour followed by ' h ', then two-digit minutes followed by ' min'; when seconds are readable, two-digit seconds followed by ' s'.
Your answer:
5 h 24 min
